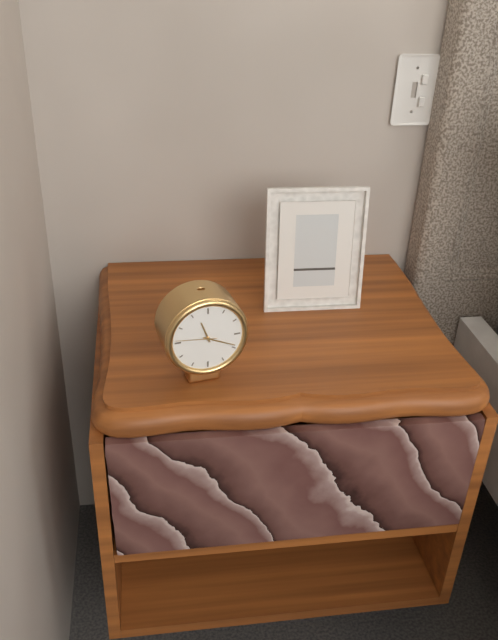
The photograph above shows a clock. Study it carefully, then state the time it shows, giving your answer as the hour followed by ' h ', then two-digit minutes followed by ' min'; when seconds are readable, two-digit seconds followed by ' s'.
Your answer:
11 h 19 min
